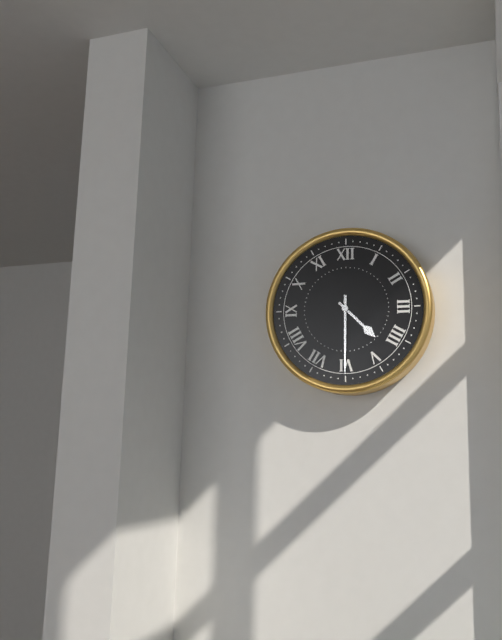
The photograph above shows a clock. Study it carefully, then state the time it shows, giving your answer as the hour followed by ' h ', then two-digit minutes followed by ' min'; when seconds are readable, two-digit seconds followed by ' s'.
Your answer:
4 h 30 min
